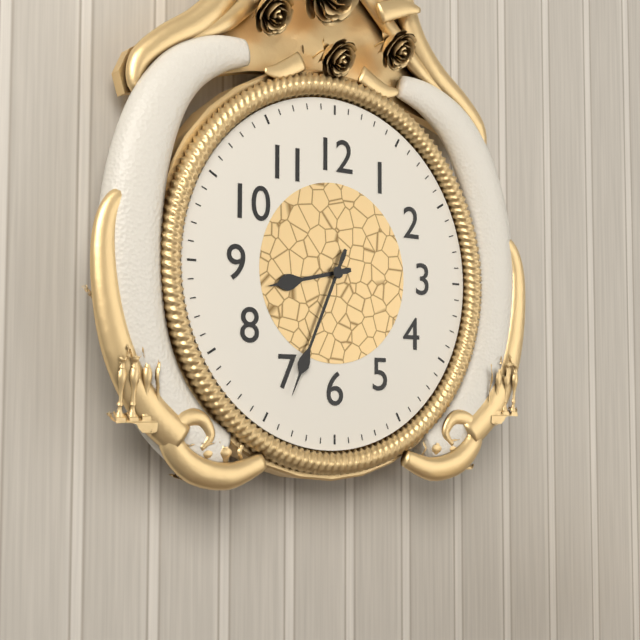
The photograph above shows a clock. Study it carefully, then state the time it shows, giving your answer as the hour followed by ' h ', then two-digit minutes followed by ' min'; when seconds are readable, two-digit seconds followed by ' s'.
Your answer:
8 h 34 min
